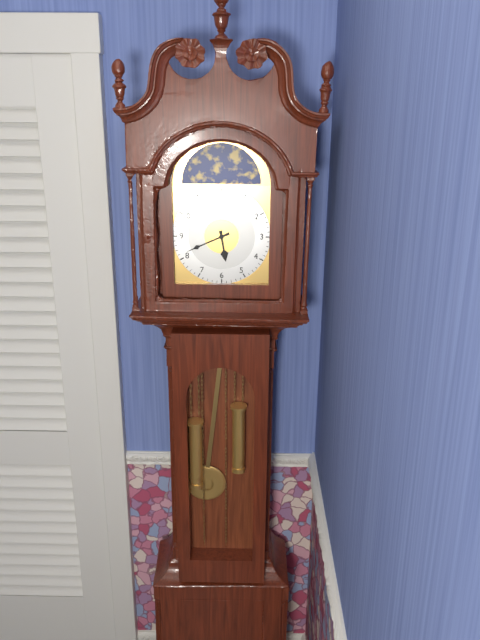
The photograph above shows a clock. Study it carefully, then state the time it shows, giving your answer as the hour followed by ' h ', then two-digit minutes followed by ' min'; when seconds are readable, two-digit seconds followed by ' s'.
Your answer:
5 h 41 min
